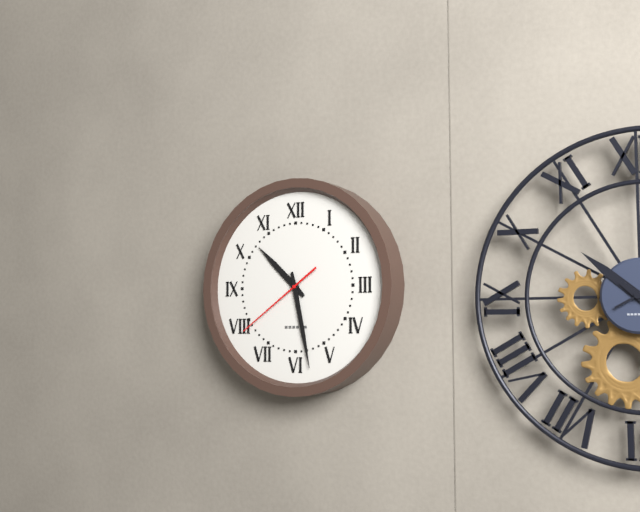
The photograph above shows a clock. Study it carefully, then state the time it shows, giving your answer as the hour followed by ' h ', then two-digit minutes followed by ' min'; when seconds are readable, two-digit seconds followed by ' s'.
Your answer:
10 h 28 min 39 s
